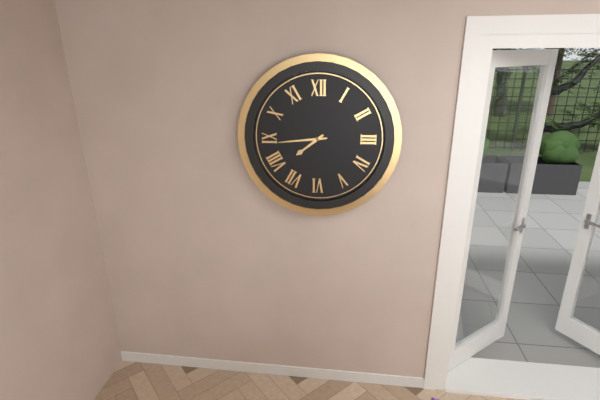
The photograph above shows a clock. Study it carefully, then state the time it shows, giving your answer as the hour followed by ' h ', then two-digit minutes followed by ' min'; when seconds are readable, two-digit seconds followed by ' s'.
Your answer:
7 h 44 min
